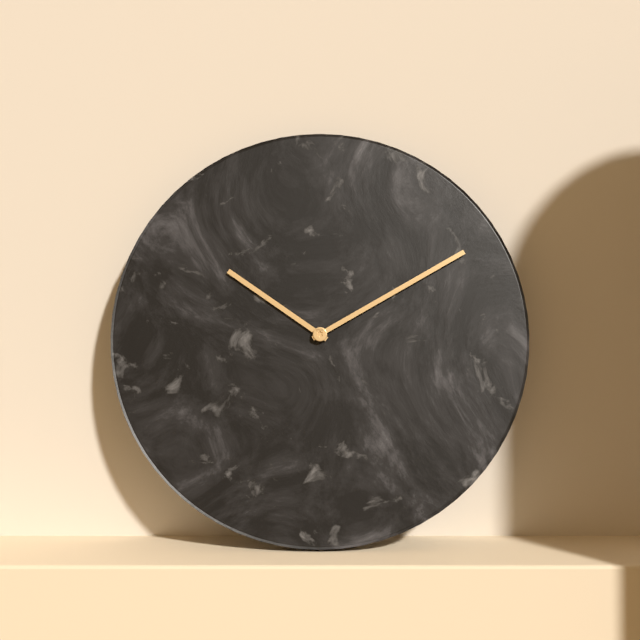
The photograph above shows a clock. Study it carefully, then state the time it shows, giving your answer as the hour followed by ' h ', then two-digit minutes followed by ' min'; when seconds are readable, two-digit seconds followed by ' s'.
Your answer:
10 h 10 min
